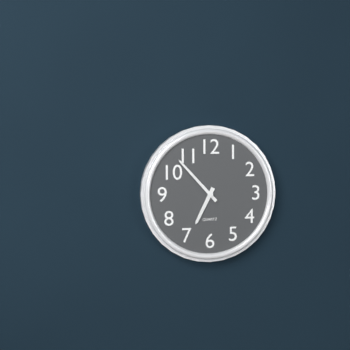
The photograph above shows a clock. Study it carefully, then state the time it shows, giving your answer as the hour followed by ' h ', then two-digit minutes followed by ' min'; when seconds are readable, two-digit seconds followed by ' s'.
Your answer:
6 h 53 min
